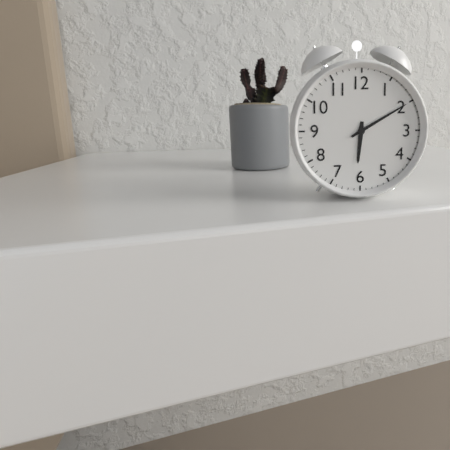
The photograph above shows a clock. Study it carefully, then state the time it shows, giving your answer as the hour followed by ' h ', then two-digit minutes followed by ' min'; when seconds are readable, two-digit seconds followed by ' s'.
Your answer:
6 h 10 min
